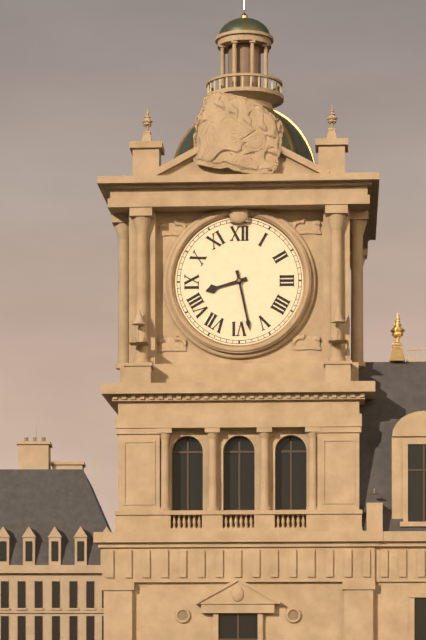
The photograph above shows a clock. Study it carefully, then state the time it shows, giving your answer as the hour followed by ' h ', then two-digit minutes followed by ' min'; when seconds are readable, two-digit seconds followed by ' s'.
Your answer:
8 h 28 min
